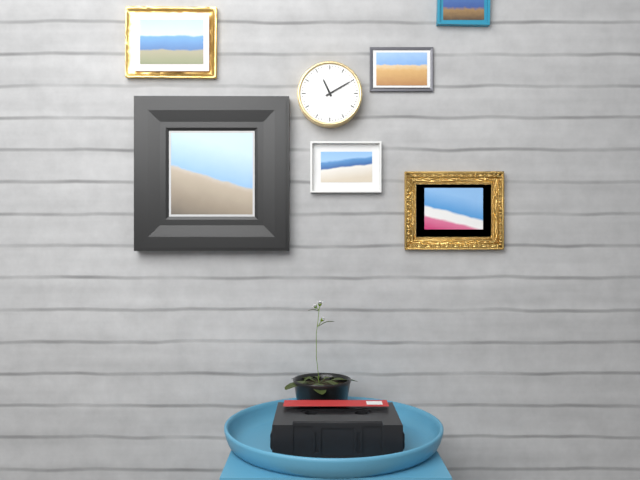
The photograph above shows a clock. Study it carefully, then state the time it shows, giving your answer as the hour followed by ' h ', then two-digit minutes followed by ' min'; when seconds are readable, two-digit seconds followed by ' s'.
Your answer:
11 h 10 min
